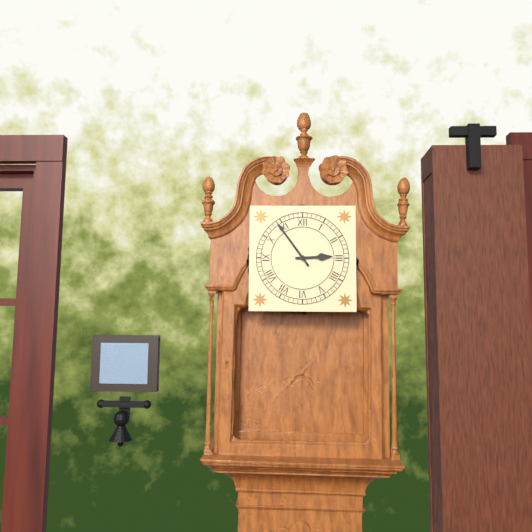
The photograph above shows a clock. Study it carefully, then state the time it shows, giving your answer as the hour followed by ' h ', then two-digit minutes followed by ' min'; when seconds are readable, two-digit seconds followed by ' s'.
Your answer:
2 h 54 min
